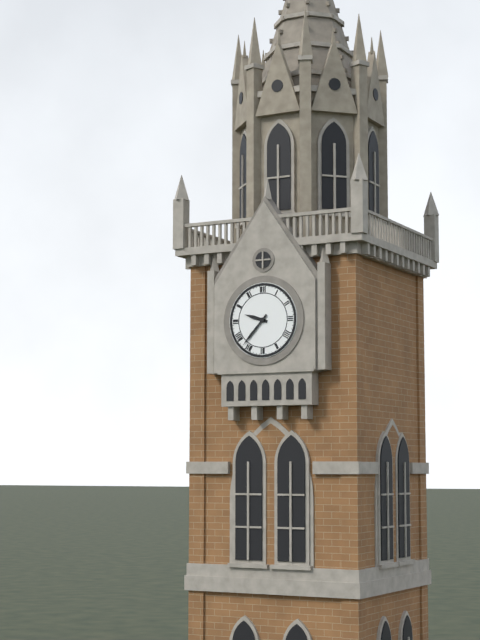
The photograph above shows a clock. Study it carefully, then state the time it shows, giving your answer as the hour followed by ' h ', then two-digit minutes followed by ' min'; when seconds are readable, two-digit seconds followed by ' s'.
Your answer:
9 h 37 min
